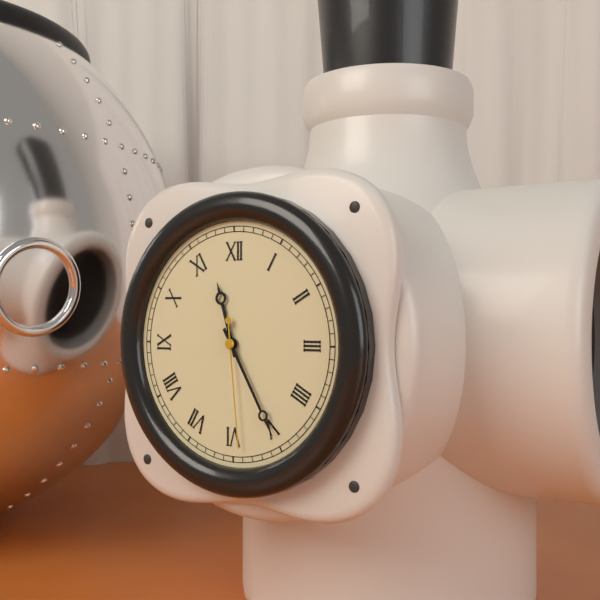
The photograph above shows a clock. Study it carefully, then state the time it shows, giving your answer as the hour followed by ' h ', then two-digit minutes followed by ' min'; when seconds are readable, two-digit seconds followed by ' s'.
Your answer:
11 h 25 min 29 s
